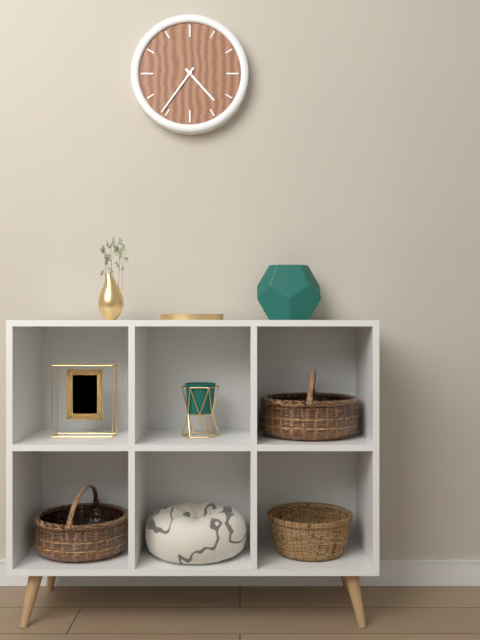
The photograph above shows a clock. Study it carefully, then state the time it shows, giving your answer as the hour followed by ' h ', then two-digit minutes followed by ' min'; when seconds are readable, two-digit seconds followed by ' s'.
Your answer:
4 h 36 min
